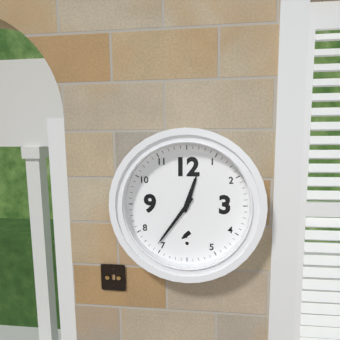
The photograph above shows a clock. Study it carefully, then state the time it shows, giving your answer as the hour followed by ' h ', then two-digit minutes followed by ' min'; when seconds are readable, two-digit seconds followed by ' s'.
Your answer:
12 h 36 min
